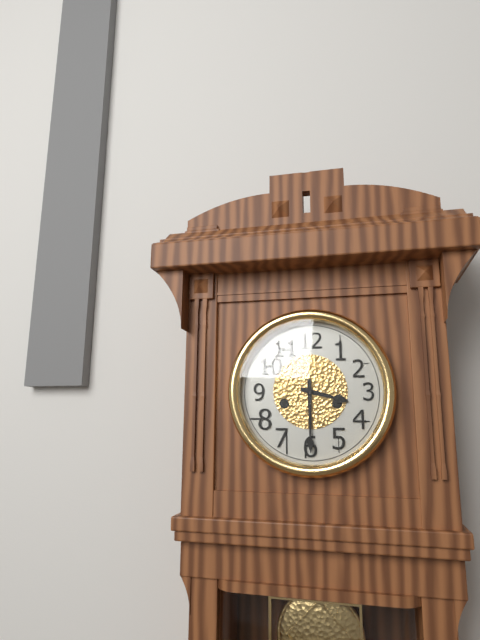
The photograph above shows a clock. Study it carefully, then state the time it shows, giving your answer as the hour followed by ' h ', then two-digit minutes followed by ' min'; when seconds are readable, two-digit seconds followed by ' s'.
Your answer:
3 h 30 min
